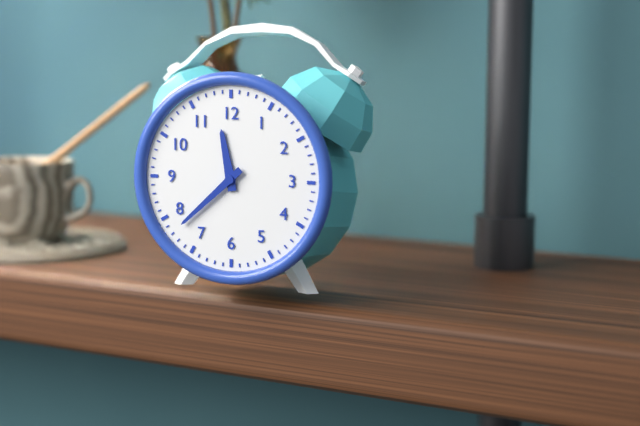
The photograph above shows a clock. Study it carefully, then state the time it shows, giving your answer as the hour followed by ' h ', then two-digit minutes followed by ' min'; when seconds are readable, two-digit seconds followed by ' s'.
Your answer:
11 h 38 min
